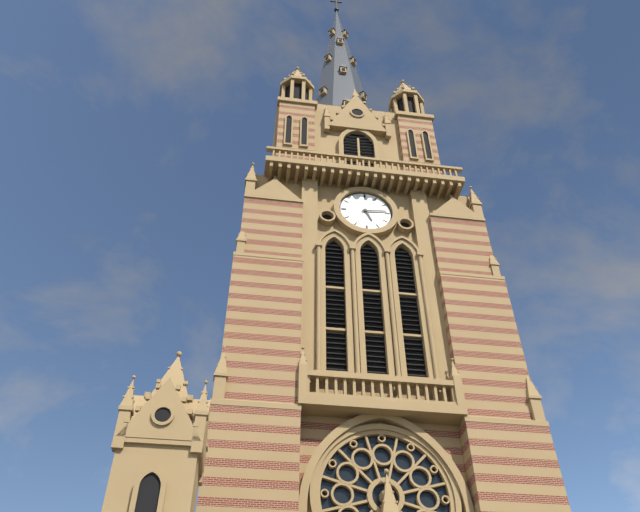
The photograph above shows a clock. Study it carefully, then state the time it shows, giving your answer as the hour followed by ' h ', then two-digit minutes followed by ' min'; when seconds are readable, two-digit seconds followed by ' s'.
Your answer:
5 h 14 min
